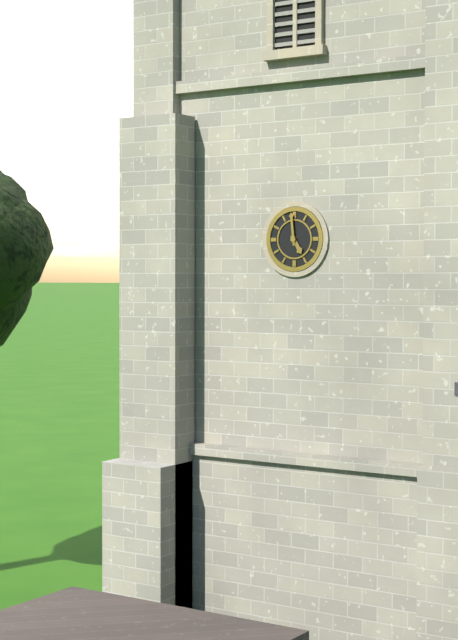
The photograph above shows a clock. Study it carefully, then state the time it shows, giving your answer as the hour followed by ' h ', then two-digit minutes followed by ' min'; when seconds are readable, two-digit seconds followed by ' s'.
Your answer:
4 h 59 min
